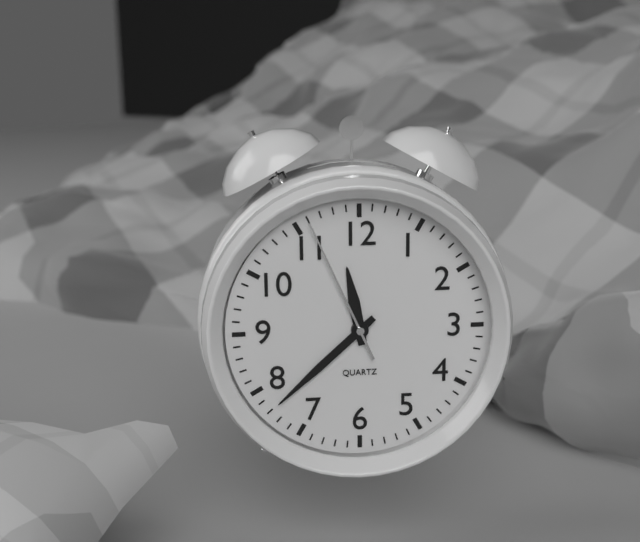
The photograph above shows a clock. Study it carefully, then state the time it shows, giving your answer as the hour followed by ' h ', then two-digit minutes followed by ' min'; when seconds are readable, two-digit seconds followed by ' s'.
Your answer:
11 h 38 min 56 s
